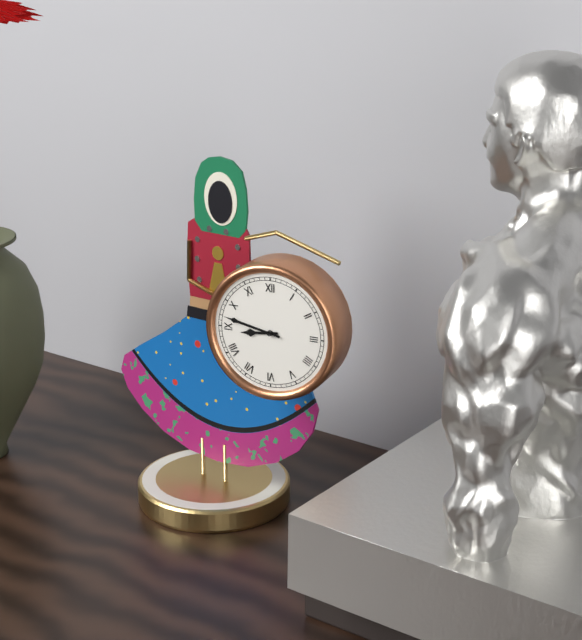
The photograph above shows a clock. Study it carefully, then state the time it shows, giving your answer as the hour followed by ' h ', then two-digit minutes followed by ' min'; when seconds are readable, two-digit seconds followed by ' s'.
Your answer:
8 h 47 min
